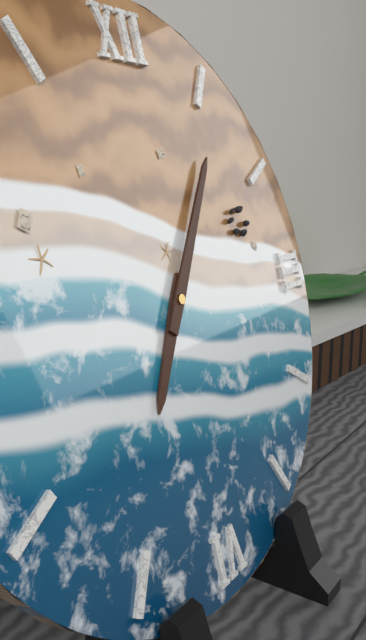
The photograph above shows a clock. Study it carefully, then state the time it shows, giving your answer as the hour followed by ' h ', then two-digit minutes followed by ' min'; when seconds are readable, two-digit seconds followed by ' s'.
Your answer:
7 h 06 min
